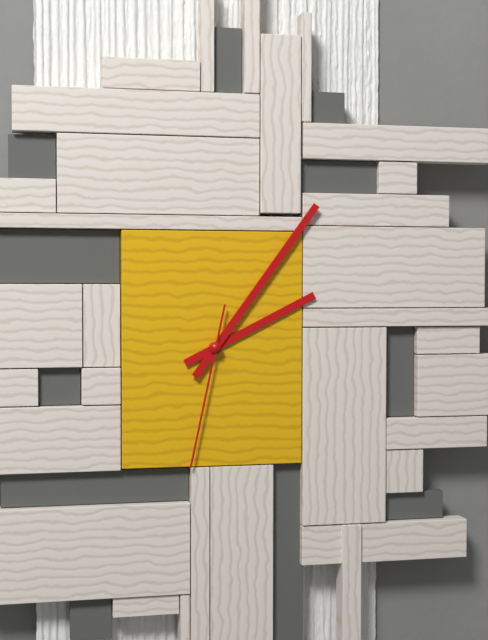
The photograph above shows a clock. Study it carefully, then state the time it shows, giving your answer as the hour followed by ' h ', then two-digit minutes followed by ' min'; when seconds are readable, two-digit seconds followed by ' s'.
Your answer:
2 h 06 min 32 s
